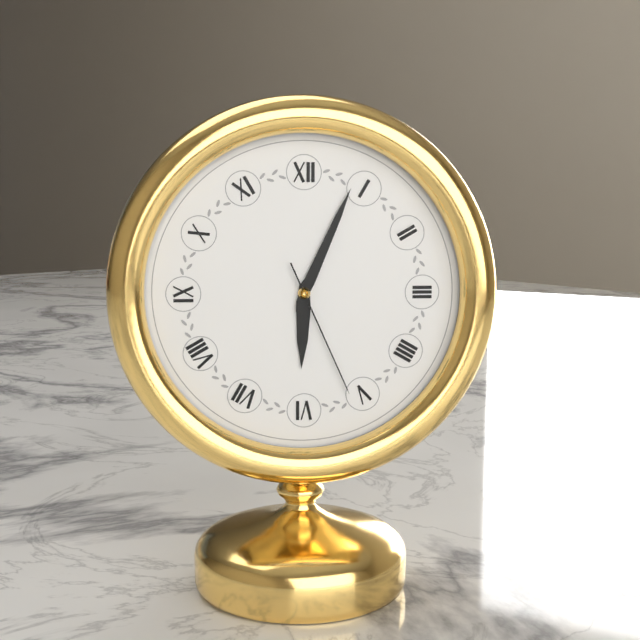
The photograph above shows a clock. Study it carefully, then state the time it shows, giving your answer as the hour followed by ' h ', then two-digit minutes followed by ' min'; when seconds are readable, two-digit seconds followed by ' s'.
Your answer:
6 h 04 min 26 s
